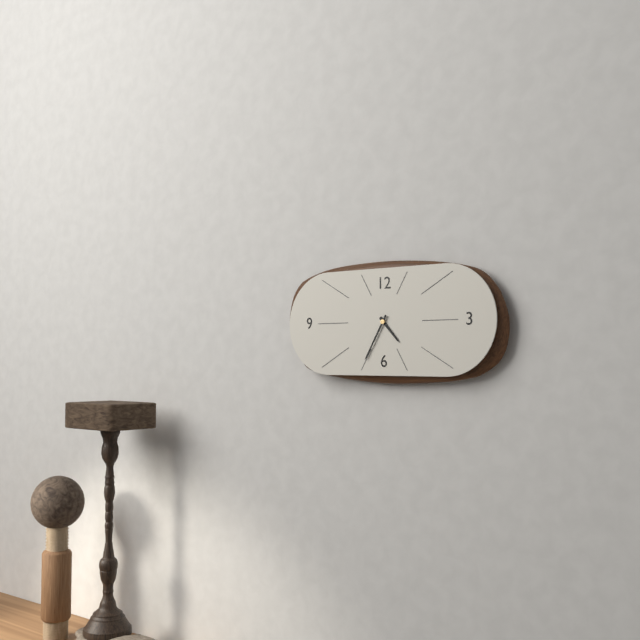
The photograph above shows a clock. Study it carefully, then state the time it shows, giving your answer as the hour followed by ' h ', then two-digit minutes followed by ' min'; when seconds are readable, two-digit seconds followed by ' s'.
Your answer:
4 h 35 min
